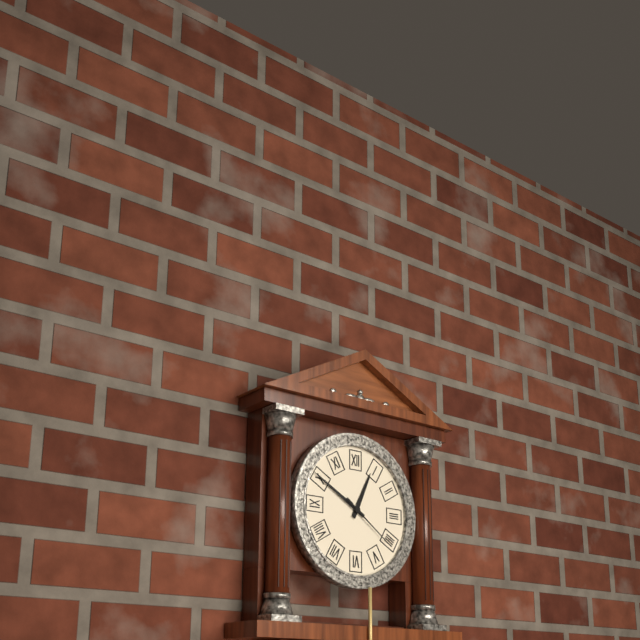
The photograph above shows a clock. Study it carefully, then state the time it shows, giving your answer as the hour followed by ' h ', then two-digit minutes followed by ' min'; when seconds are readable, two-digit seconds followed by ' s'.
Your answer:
12 h 50 min 21 s
